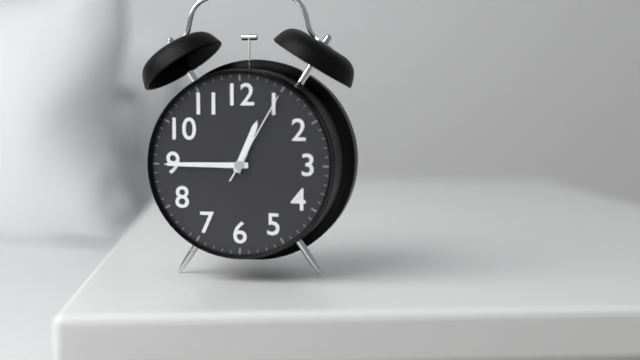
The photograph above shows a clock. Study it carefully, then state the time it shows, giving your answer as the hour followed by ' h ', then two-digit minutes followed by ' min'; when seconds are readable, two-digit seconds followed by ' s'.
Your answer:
12 h 45 min 05 s
